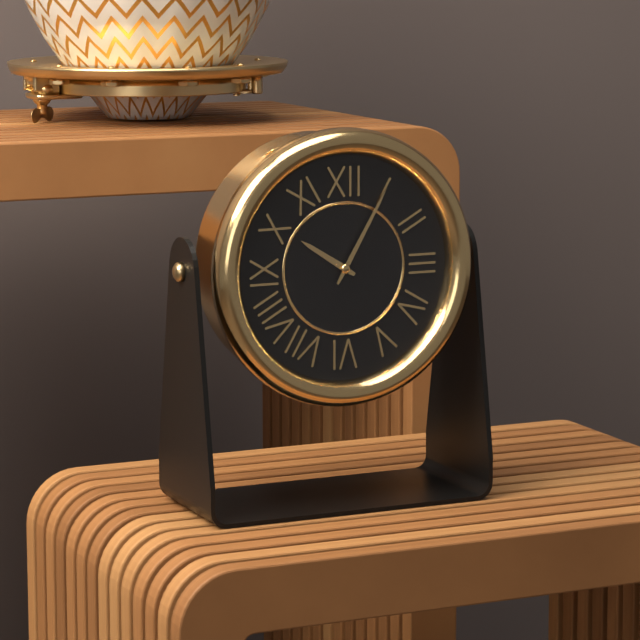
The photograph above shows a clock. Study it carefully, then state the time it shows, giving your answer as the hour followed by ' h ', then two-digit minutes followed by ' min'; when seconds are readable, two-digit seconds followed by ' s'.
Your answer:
10 h 05 min
